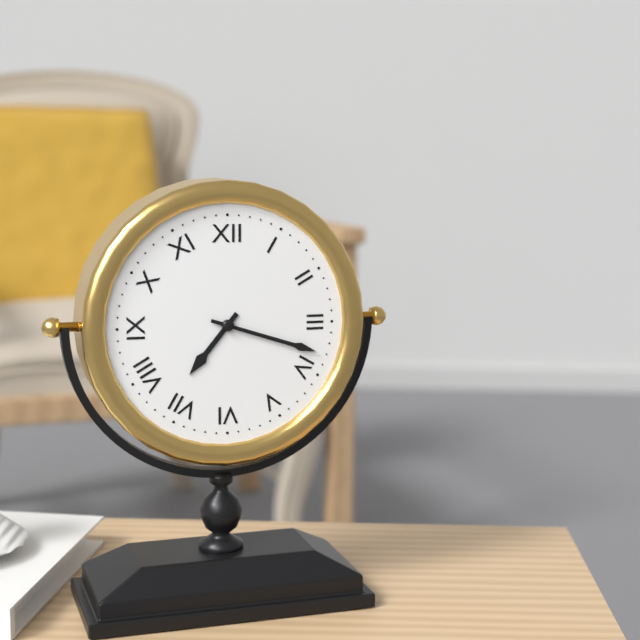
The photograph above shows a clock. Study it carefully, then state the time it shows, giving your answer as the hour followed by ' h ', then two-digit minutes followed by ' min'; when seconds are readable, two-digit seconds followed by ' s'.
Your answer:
7 h 18 min
